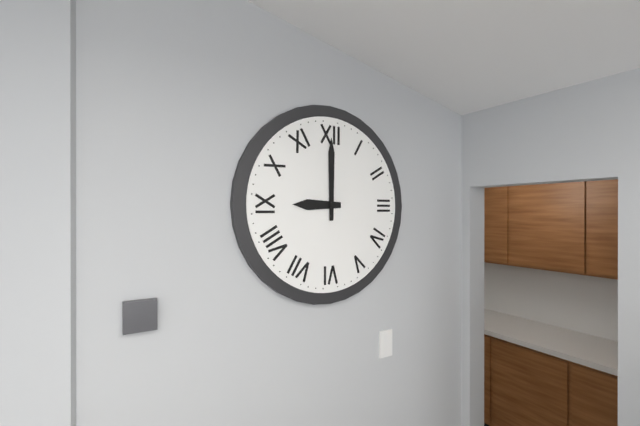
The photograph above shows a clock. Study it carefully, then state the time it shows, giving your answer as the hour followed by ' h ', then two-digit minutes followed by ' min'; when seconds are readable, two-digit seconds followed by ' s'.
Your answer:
9 h 00 min
